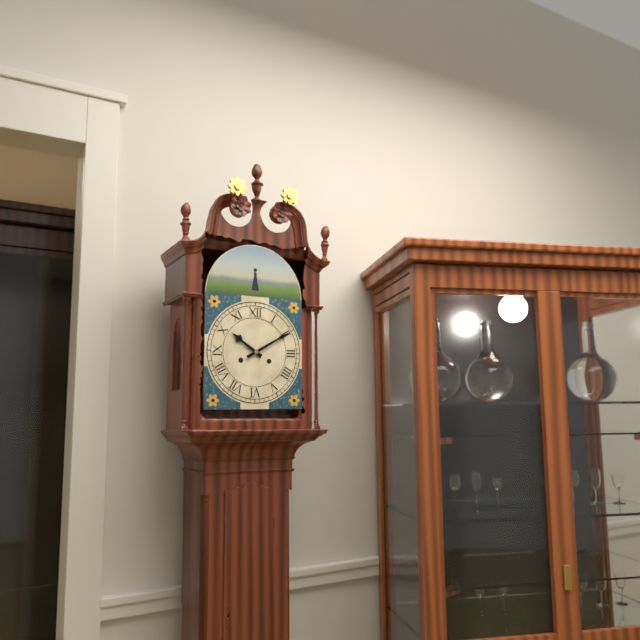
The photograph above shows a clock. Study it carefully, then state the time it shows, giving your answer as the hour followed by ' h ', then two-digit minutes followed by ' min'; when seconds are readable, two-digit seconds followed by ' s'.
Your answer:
10 h 10 min
